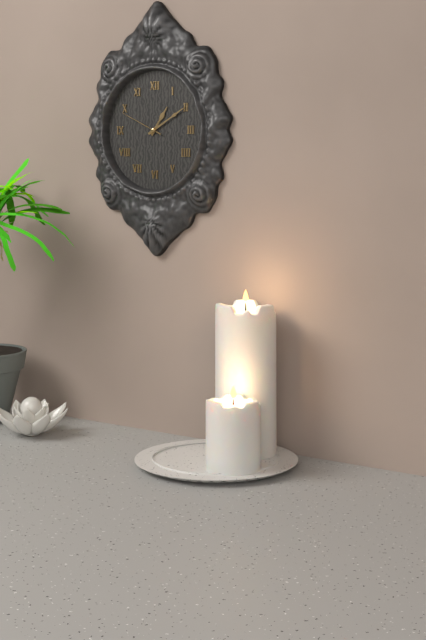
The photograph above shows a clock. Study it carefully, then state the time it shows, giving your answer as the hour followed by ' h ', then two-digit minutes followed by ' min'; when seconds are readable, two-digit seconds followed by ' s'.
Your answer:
1 h 10 min
